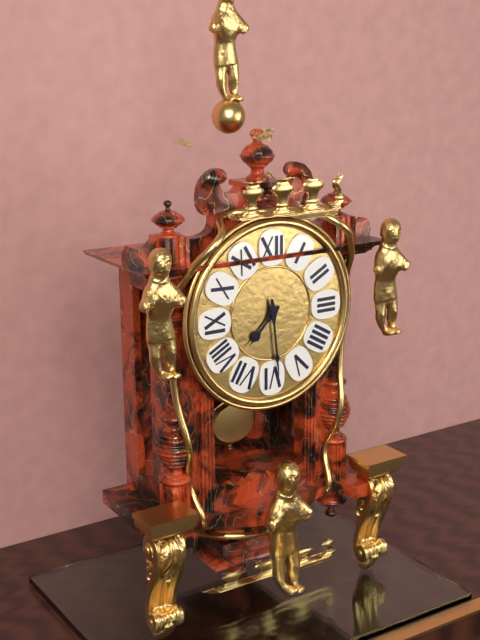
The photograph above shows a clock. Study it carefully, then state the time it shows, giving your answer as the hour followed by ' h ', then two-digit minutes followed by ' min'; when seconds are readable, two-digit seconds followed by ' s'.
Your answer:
7 h 29 min
